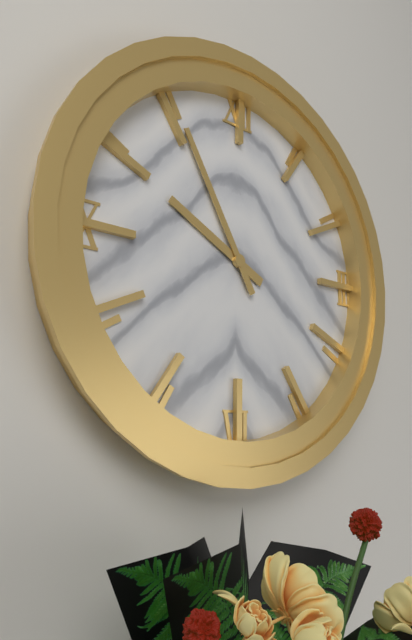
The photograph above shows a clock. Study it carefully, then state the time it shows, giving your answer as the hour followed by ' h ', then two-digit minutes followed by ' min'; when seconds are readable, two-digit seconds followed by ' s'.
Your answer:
9 h 55 min
